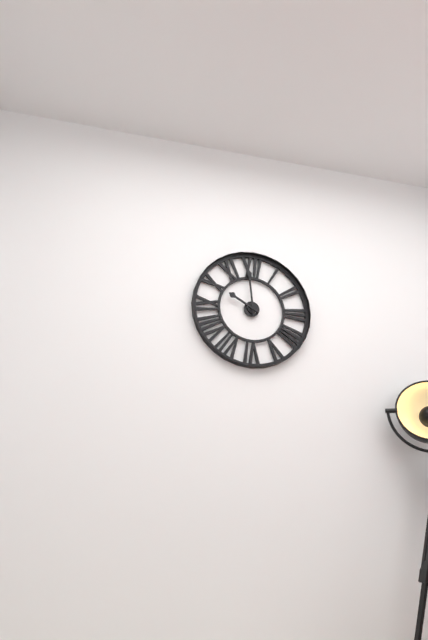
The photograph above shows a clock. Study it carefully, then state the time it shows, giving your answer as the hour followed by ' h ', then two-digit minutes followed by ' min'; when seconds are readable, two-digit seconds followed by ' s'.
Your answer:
9 h 59 min
